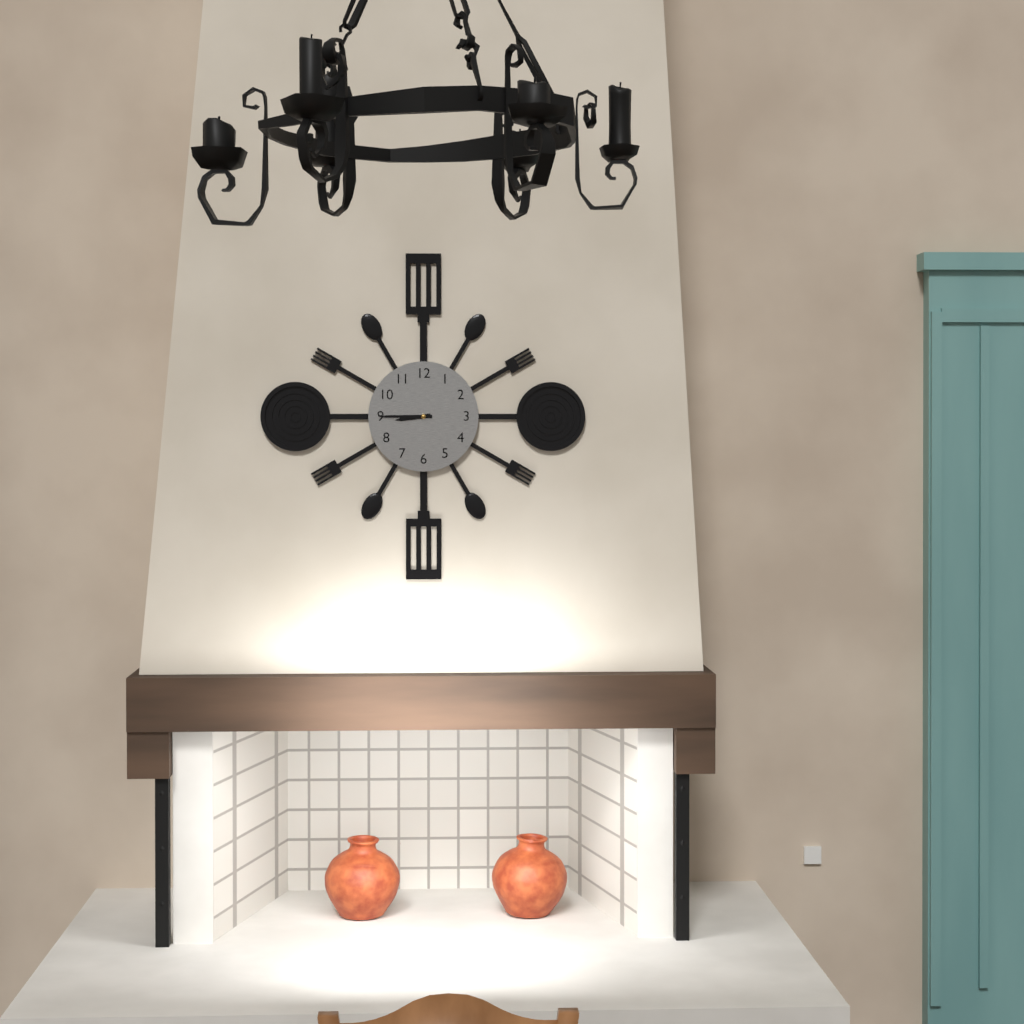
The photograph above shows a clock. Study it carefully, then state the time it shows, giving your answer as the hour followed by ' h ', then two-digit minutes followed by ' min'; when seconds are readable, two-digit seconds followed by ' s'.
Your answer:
8 h 45 min
